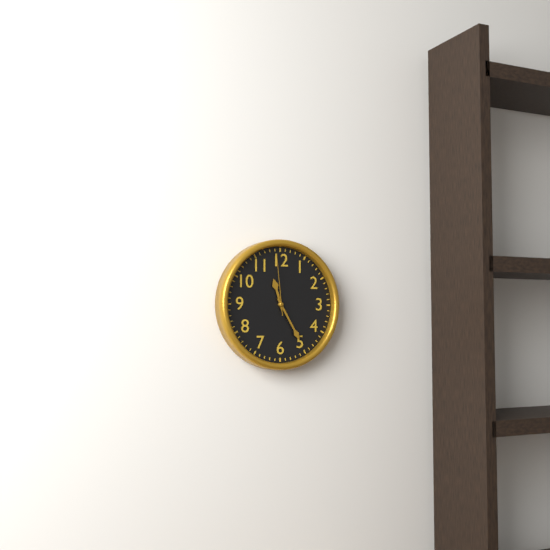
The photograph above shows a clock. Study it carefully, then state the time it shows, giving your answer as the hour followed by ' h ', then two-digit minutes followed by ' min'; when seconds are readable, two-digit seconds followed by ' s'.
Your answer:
11 h 25 min 59 s
